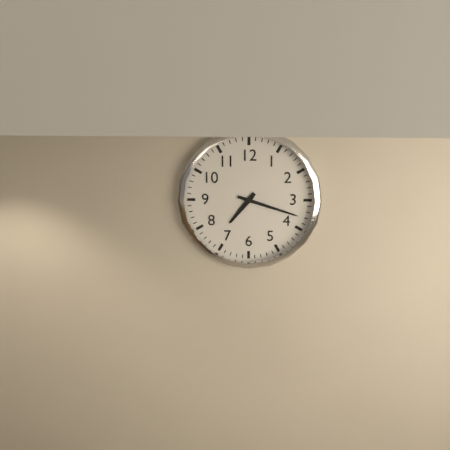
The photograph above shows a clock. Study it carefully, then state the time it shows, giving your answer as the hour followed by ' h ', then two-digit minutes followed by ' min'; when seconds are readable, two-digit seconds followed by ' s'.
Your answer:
7 h 18 min
